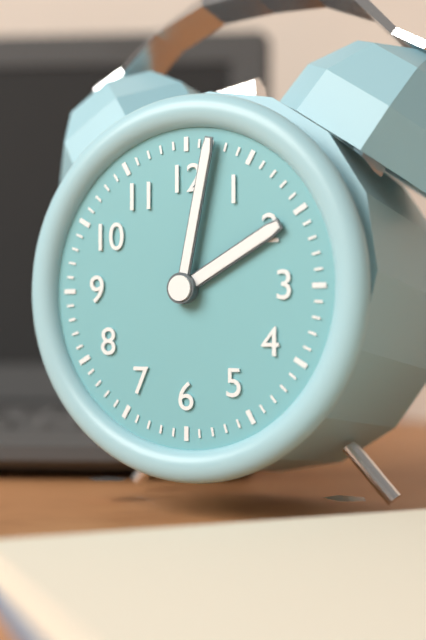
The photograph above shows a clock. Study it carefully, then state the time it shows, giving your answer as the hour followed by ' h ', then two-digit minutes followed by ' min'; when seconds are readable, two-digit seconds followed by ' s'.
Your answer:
2 h 02 min
